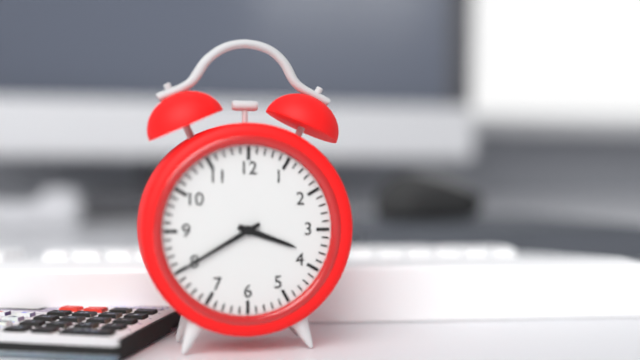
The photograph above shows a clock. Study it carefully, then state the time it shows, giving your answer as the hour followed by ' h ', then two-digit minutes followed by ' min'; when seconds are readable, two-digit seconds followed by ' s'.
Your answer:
3 h 40 min
